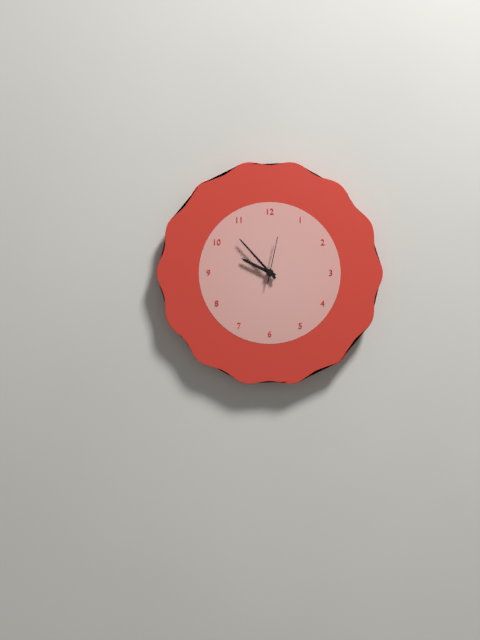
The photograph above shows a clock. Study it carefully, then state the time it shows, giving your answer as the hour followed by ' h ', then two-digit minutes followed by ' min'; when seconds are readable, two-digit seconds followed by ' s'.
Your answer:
9 h 53 min
